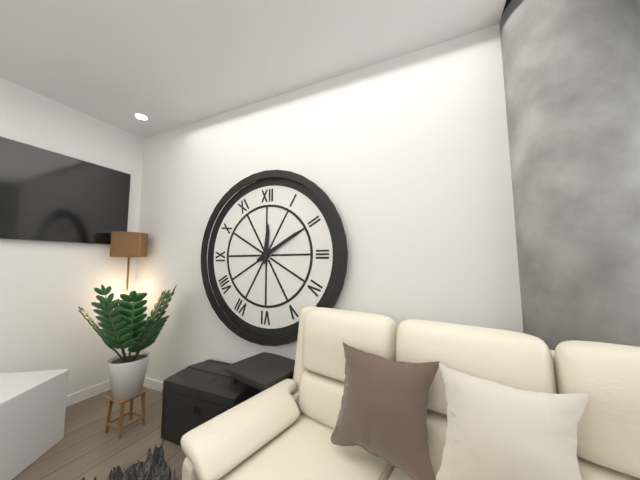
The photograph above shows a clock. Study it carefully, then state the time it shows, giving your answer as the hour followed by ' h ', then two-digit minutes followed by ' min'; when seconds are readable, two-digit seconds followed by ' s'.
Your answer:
12 h 10 min
